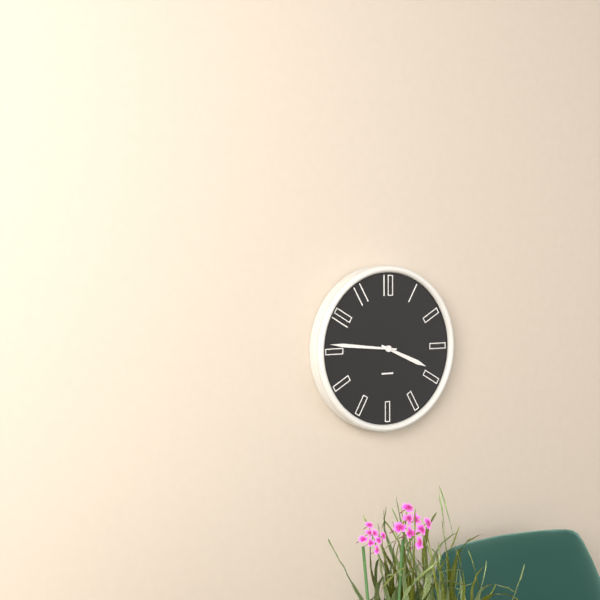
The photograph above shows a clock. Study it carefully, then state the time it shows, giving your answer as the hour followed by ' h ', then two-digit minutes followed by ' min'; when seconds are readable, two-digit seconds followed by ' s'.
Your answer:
3 h 46 min
